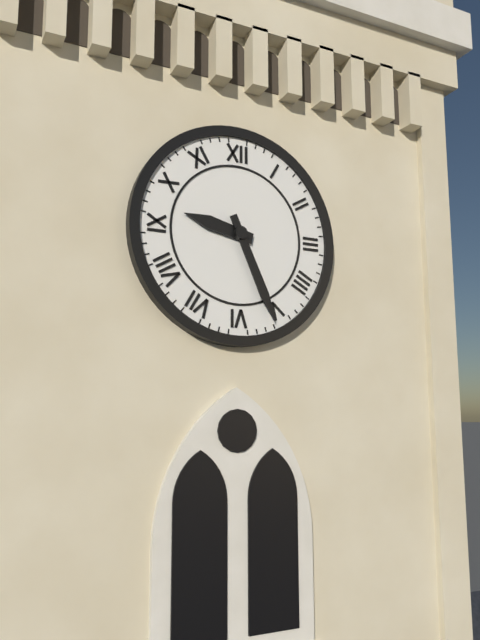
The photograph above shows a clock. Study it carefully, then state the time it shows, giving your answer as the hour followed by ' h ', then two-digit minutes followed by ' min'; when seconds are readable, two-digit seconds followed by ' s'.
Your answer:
9 h 26 min
